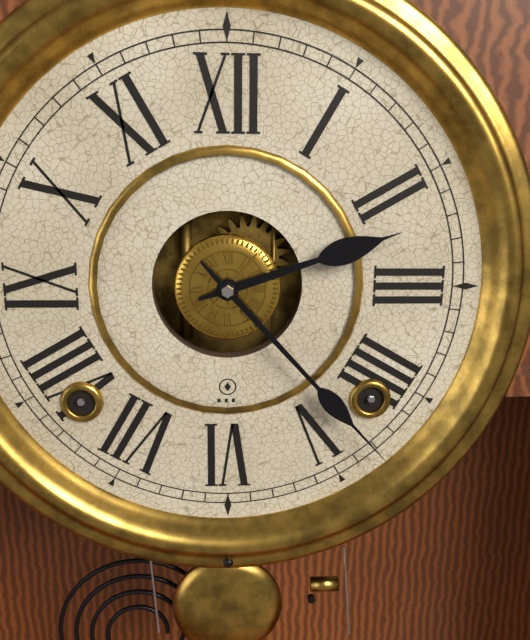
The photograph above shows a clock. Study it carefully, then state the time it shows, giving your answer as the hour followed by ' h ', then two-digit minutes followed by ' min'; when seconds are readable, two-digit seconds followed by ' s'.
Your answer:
2 h 23 min
